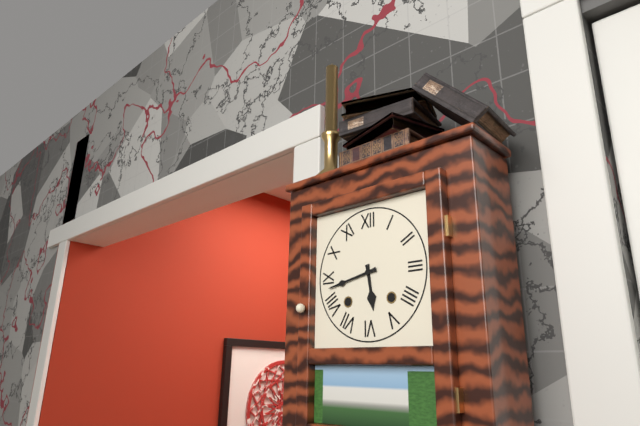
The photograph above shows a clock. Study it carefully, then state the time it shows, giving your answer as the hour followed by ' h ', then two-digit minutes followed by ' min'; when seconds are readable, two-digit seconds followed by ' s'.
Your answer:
5 h 43 min
